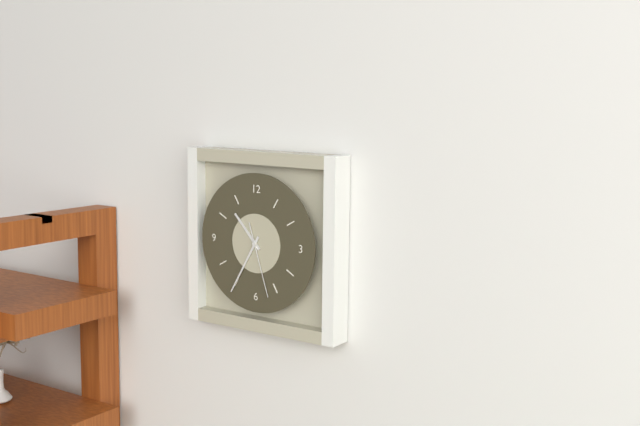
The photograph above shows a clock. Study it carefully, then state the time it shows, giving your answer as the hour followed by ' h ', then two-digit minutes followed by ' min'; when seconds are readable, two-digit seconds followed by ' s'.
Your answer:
10 h 35 min 27 s
